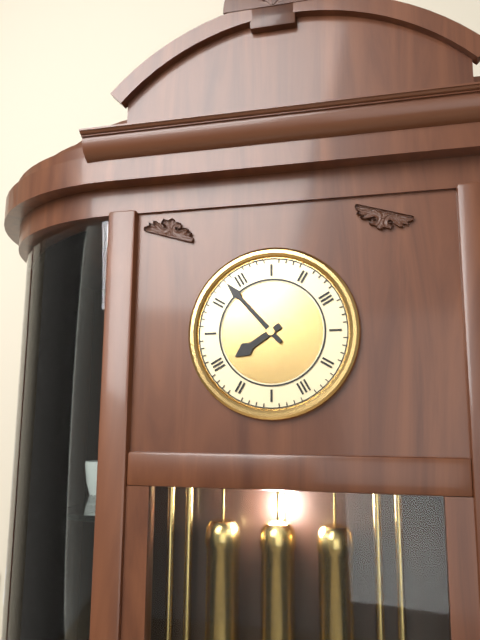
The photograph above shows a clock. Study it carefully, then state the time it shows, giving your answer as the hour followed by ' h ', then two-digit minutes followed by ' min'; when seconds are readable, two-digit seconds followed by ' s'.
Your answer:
7 h 53 min
